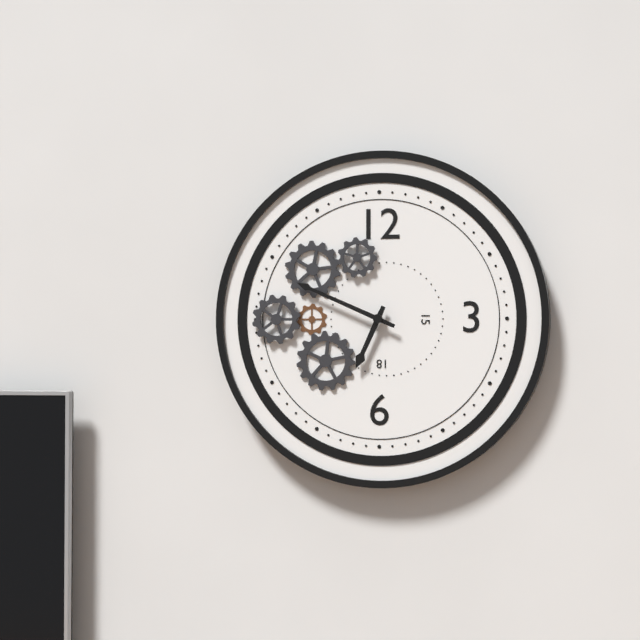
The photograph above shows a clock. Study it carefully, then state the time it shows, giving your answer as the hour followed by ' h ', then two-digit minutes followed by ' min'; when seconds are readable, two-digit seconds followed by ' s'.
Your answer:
6 h 49 min
